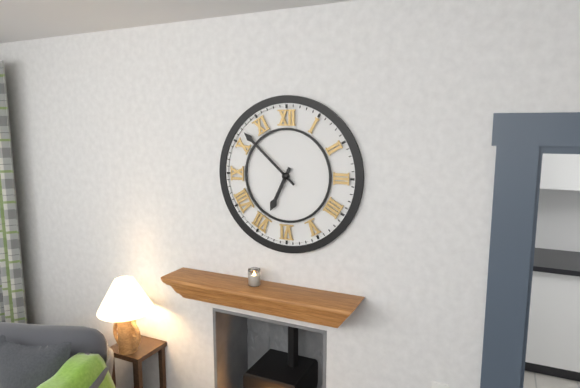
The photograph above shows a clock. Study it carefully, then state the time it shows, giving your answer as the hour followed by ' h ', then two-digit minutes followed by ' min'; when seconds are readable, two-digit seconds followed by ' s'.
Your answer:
6 h 52 min
